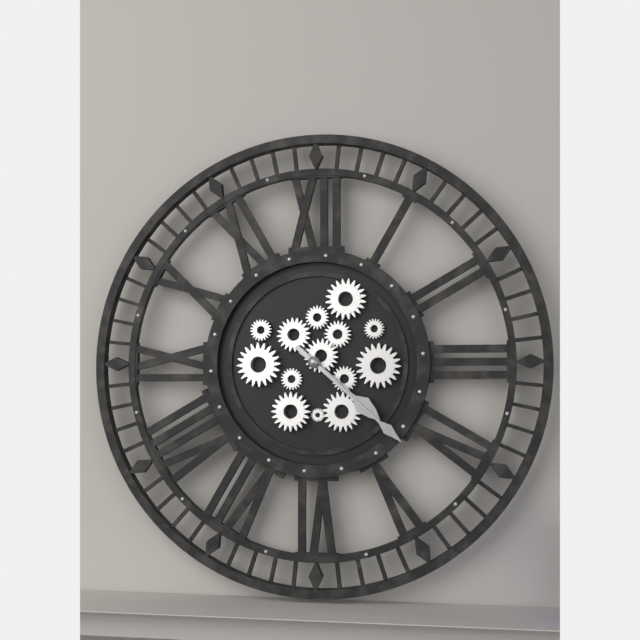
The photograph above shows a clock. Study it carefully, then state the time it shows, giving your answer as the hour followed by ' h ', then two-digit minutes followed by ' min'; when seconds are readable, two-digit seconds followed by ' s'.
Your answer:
4 h 22 min
